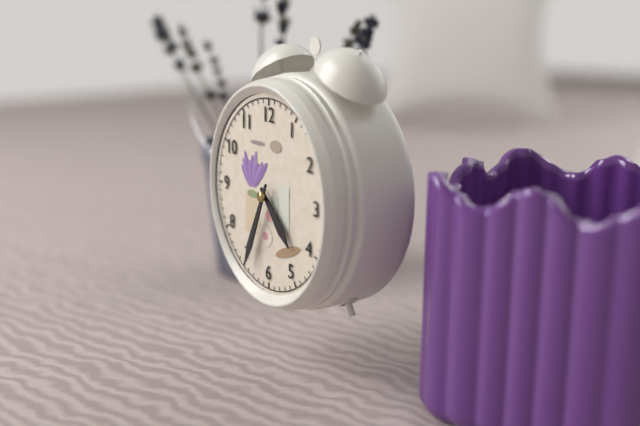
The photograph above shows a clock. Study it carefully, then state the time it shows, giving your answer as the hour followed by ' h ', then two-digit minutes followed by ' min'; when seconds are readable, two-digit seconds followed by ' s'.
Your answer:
4 h 34 min
